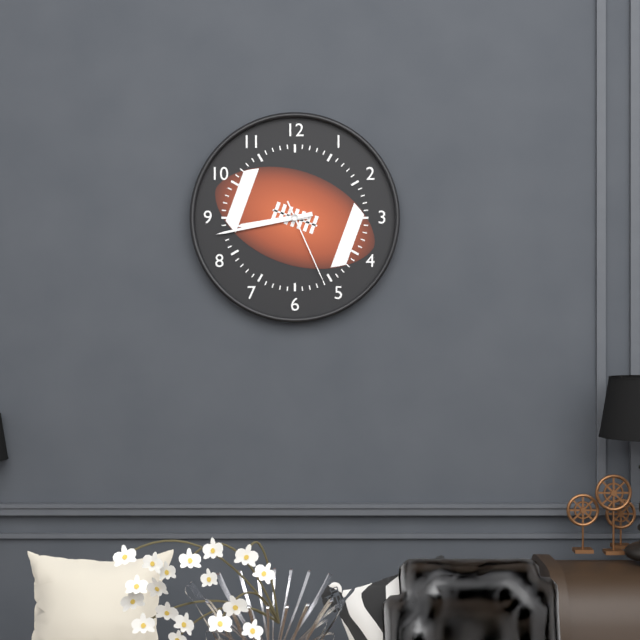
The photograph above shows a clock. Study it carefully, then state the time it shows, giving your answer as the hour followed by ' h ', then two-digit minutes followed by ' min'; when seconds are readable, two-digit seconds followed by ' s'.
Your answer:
8 h 43 min 26 s
